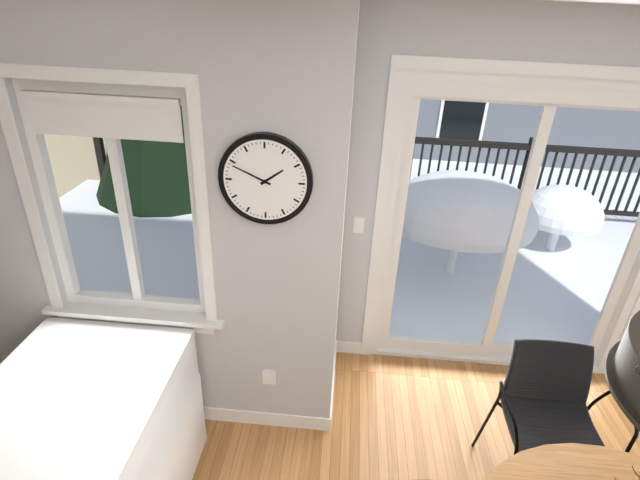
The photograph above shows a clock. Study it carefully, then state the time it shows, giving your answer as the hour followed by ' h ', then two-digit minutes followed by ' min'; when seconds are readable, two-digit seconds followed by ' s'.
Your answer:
1 h 49 min
